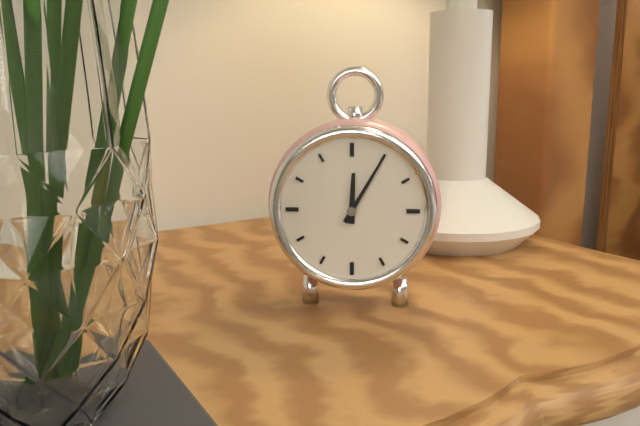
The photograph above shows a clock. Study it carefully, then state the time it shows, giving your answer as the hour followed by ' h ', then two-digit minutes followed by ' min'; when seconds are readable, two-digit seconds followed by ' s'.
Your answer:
12 h 05 min
